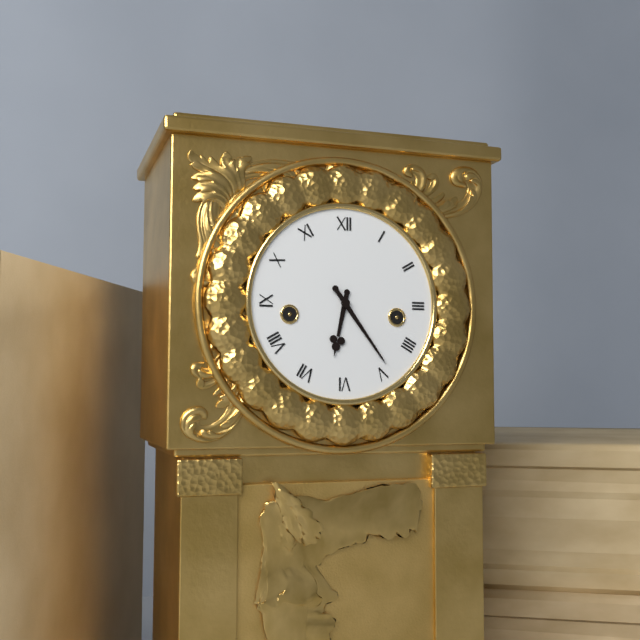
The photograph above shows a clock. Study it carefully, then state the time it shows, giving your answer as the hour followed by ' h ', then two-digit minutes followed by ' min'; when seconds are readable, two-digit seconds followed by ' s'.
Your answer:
6 h 24 min
